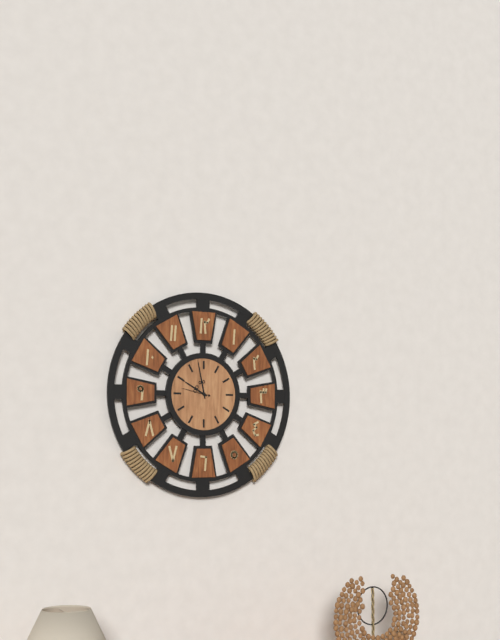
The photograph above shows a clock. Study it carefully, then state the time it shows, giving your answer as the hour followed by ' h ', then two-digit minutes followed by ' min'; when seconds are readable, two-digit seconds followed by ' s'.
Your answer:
9 h 58 min
